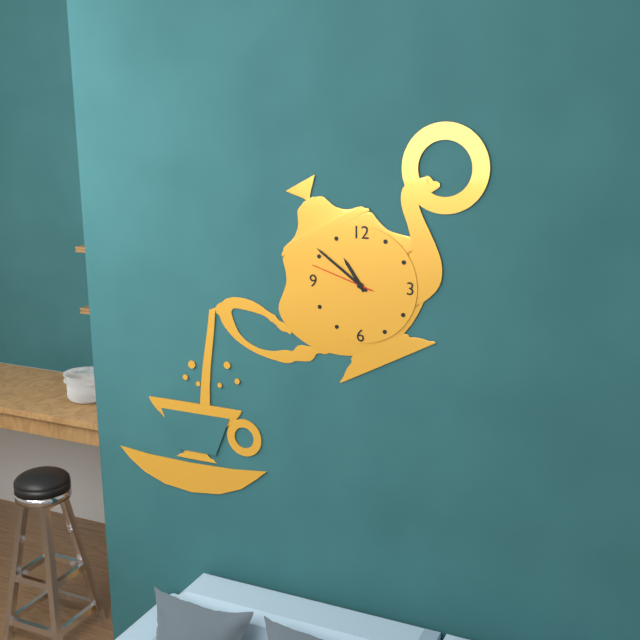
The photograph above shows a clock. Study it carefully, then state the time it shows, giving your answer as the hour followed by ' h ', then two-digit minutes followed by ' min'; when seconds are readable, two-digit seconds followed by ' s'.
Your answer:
10 h 51 min 48 s
